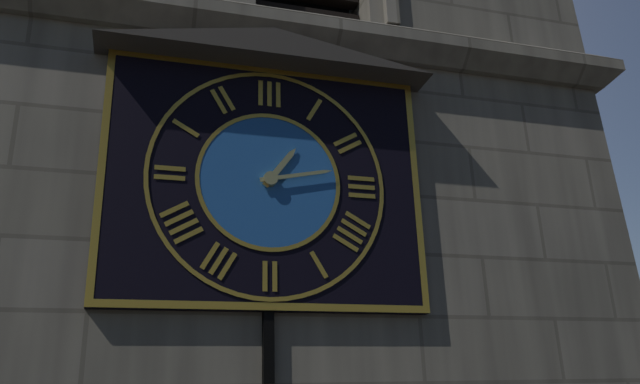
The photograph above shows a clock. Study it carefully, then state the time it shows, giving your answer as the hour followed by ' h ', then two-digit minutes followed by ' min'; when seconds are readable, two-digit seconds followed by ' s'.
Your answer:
1 h 13 min
